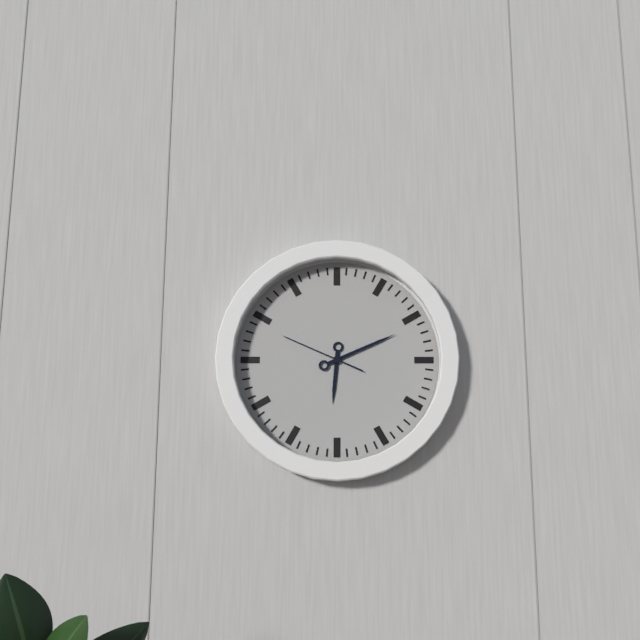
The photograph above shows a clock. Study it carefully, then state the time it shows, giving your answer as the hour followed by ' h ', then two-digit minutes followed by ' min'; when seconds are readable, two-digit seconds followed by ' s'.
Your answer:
6 h 11 min 49 s
